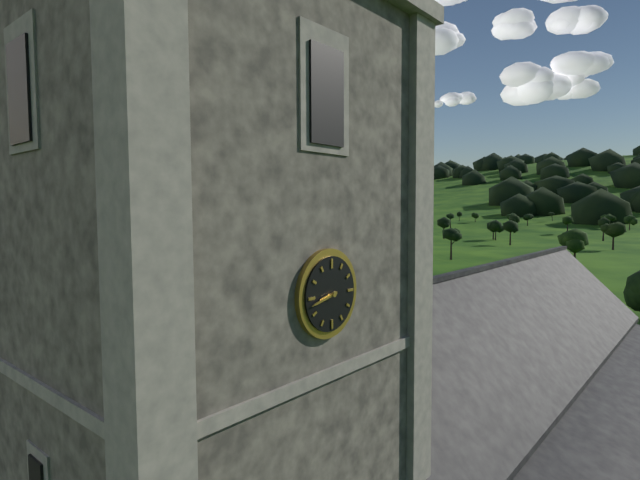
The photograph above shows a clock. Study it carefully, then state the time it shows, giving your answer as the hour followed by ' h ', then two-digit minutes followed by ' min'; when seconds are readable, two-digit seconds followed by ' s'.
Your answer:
8 h 43 min
